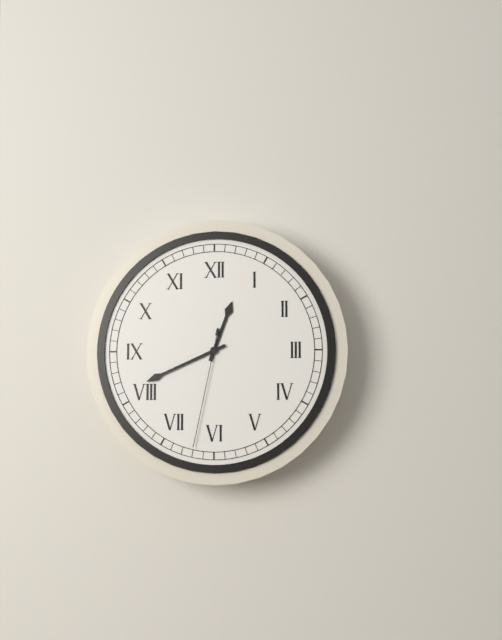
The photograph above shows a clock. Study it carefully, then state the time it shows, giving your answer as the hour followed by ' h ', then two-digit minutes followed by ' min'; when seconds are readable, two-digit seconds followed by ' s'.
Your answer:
12 h 41 min 32 s
